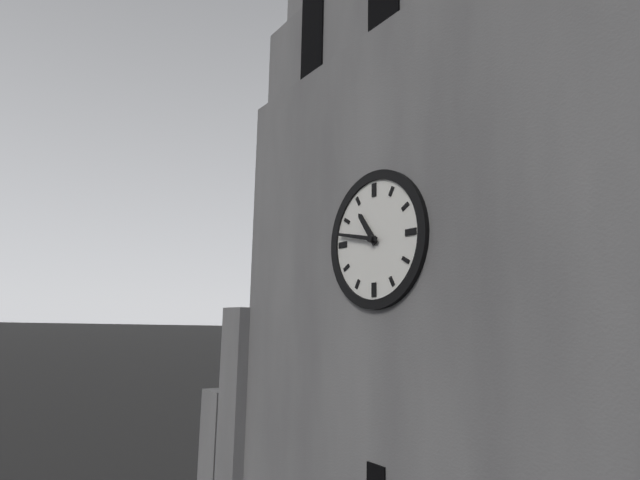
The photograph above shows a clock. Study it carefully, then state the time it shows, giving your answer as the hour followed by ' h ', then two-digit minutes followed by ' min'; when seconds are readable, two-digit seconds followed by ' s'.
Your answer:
10 h 47 min
